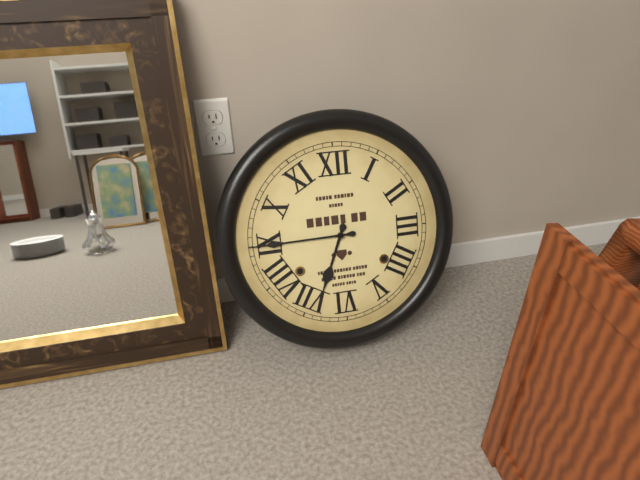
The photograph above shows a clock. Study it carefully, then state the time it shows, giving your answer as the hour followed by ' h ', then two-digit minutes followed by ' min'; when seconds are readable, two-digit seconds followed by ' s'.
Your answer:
6 h 45 min
